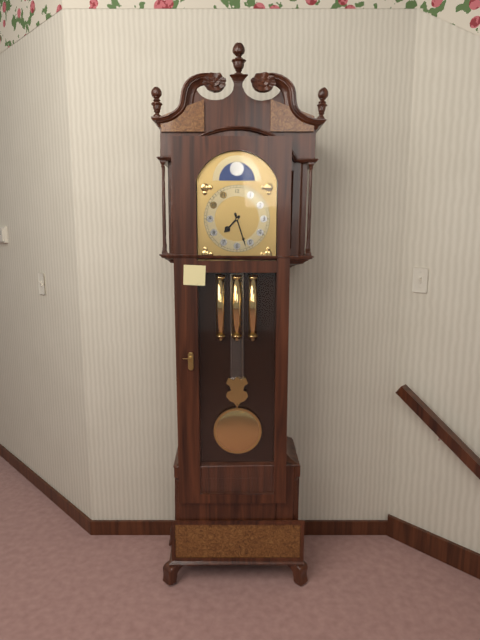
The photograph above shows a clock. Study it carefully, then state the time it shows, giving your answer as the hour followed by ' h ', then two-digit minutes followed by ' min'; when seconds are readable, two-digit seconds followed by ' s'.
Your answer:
7 h 27 min
